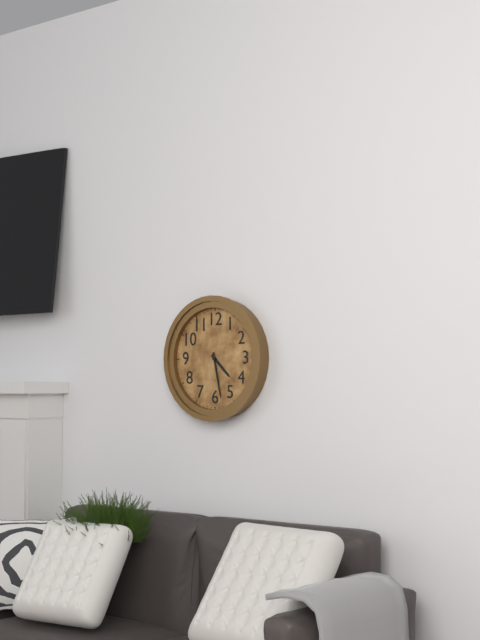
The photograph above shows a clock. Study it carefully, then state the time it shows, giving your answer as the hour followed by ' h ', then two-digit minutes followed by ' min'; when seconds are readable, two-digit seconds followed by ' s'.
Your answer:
4 h 28 min
